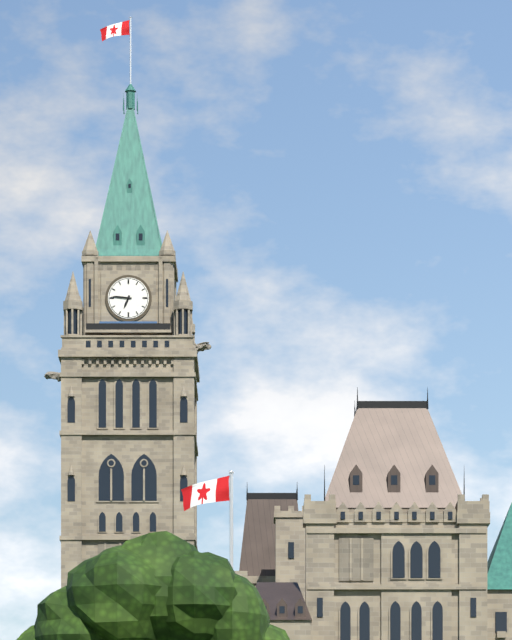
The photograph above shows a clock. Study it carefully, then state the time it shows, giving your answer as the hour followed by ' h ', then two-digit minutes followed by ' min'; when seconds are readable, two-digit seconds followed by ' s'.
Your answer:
6 h 46 min
